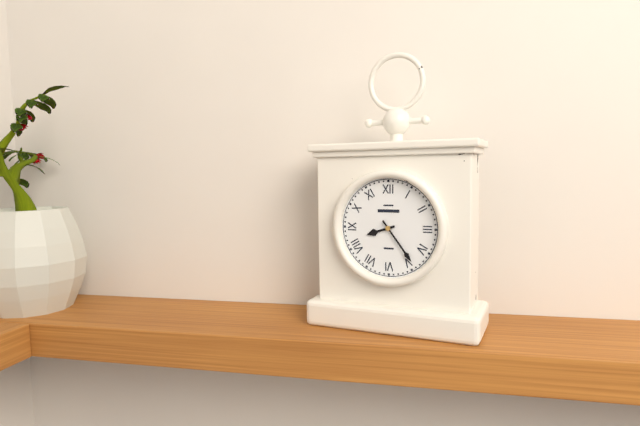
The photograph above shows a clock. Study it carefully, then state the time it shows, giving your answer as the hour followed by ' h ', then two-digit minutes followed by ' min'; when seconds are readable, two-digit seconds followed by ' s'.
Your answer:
8 h 24 min
